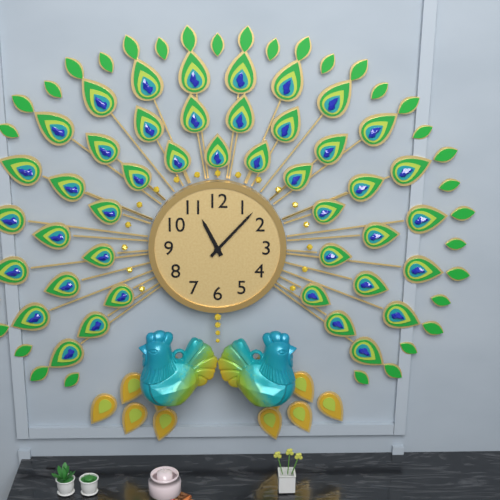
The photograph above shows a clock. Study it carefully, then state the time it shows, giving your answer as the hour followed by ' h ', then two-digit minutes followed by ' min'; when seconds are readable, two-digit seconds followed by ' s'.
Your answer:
11 h 07 min
